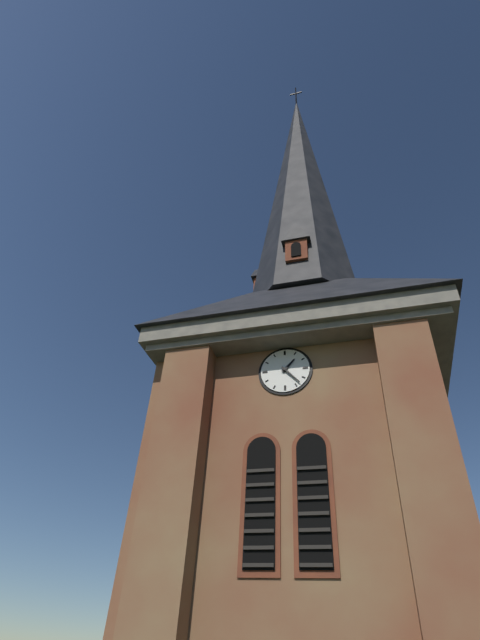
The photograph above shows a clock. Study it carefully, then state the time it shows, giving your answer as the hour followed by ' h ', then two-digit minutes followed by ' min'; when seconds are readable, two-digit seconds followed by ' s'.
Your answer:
1 h 23 min
